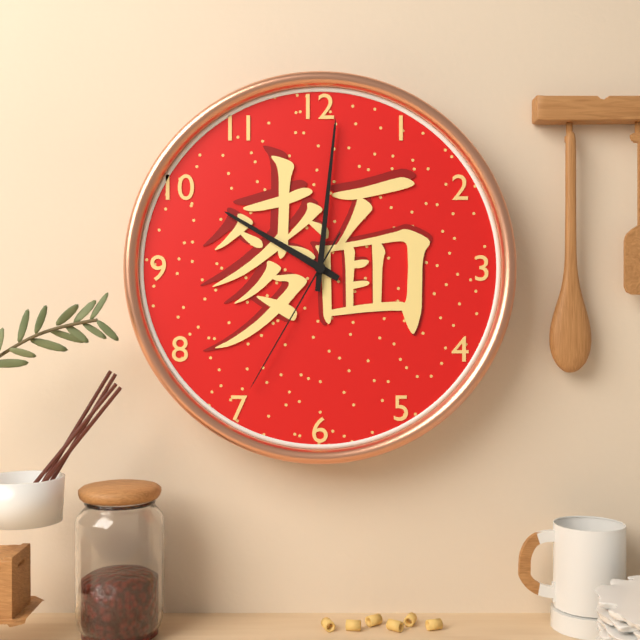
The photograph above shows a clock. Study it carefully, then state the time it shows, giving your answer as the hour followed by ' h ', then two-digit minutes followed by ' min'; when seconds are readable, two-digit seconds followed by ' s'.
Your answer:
10 h 01 min 35 s
